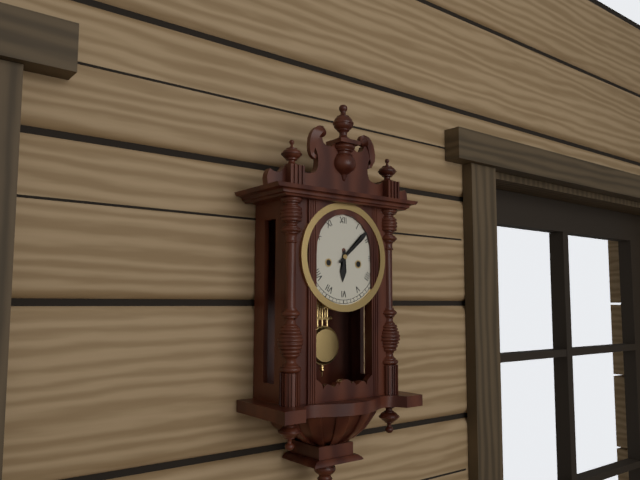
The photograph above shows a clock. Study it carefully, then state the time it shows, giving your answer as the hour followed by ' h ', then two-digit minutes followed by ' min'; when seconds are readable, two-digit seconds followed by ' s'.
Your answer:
6 h 08 min
